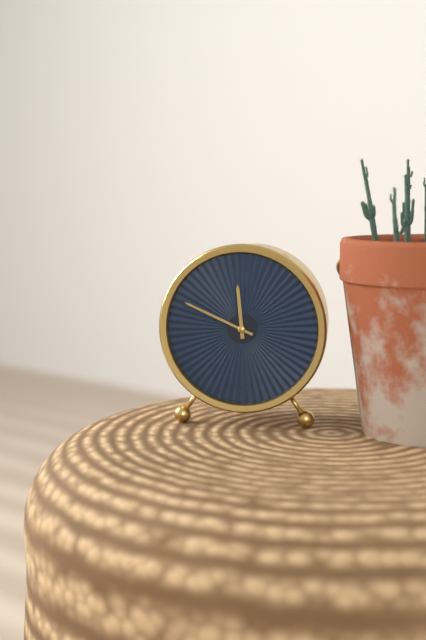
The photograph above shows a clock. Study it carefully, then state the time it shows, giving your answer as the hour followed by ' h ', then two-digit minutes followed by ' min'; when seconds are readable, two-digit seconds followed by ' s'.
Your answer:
11 h 49 min
